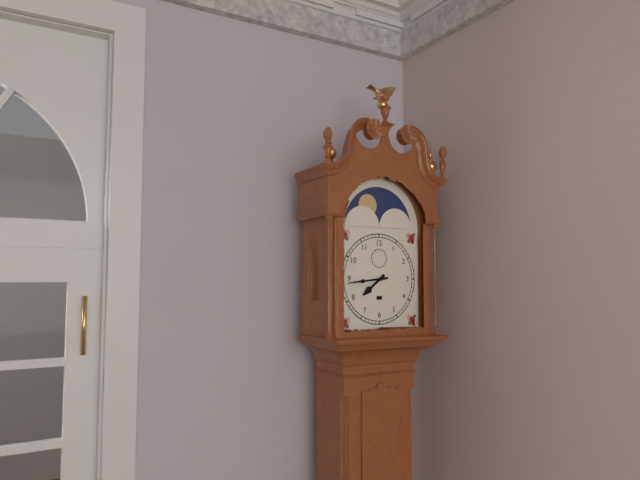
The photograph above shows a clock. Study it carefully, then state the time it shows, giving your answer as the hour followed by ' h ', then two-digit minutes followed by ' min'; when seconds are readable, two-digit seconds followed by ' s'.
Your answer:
7 h 44 min
